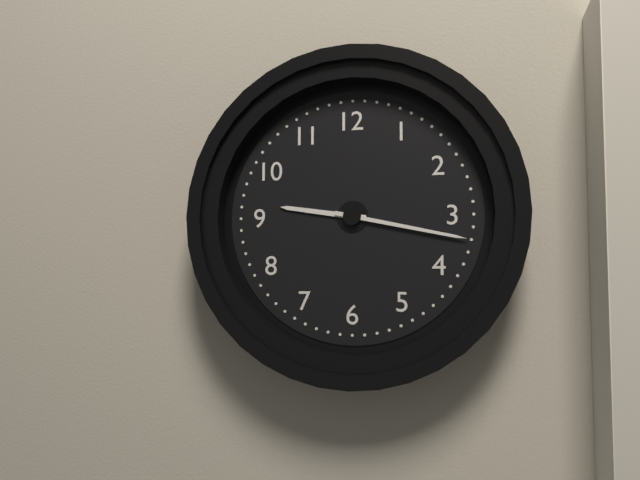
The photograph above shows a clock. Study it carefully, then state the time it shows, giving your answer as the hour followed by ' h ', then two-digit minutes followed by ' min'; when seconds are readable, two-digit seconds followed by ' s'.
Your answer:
9 h 17 min
